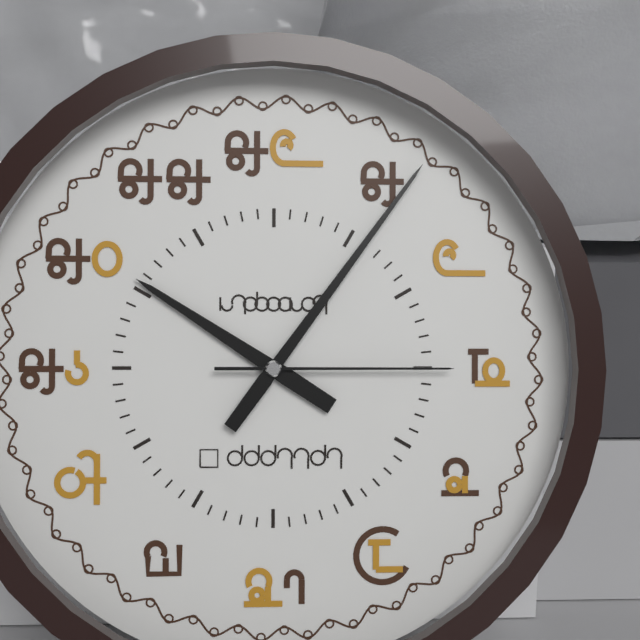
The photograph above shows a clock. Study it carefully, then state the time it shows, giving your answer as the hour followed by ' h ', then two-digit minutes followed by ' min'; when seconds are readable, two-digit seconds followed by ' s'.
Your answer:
10 h 06 min 15 s
